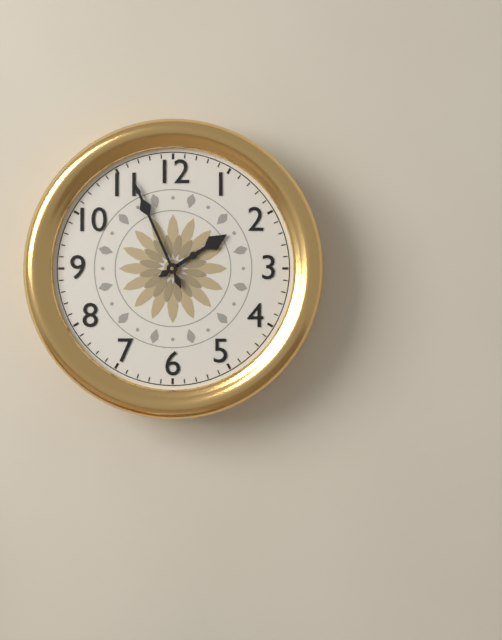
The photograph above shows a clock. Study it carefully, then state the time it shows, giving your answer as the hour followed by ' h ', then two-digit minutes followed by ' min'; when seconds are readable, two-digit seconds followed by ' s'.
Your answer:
1 h 56 min
